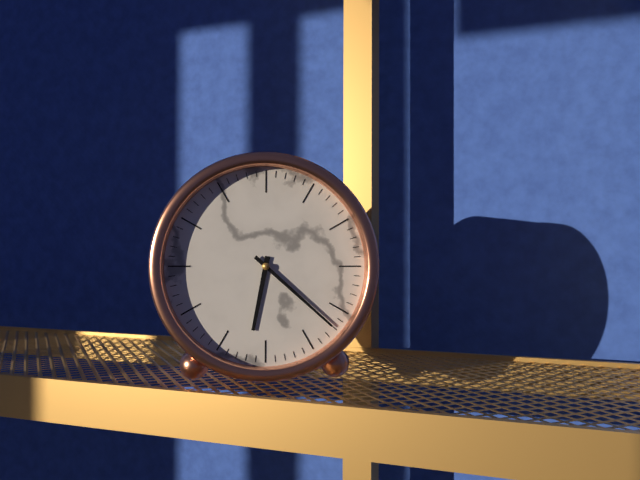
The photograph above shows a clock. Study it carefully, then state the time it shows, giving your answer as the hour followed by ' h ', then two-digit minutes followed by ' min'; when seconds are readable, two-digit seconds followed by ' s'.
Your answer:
6 h 22 min
